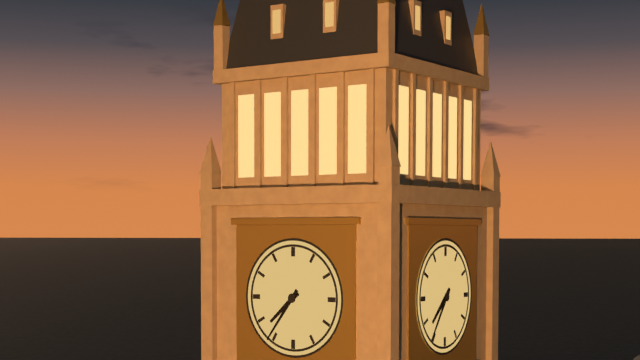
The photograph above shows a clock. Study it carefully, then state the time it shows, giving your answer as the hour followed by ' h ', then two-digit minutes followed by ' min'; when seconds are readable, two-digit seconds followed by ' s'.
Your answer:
7 h 36 min
